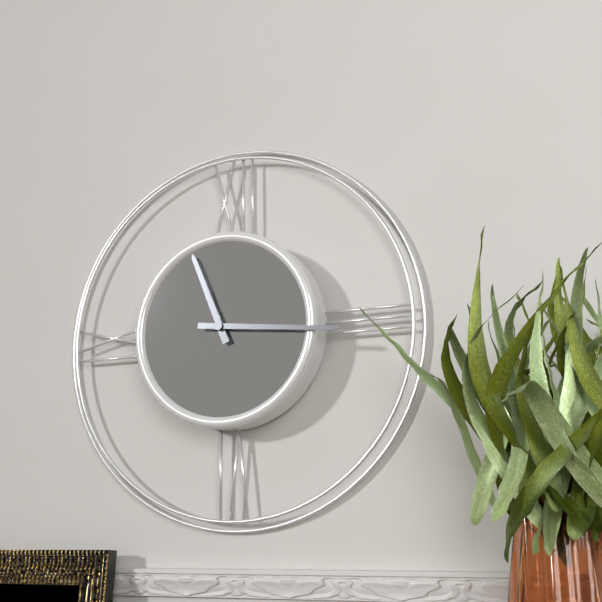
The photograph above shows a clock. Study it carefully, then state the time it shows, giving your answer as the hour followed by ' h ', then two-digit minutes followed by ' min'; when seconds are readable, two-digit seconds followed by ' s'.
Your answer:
11 h 16 min
